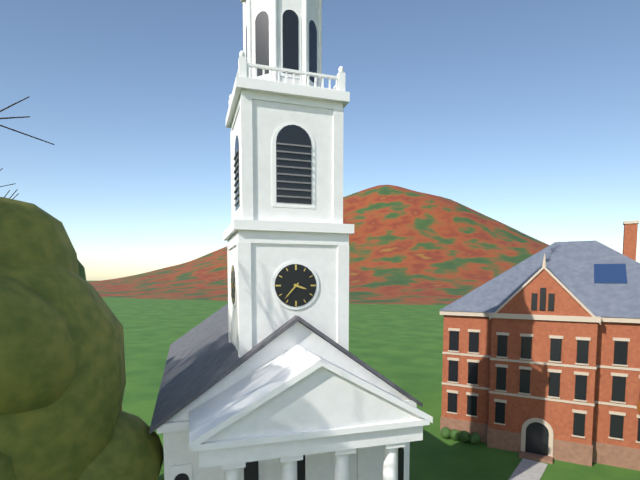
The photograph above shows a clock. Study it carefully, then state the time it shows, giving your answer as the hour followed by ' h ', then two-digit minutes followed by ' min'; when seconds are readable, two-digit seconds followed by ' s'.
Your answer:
3 h 37 min
